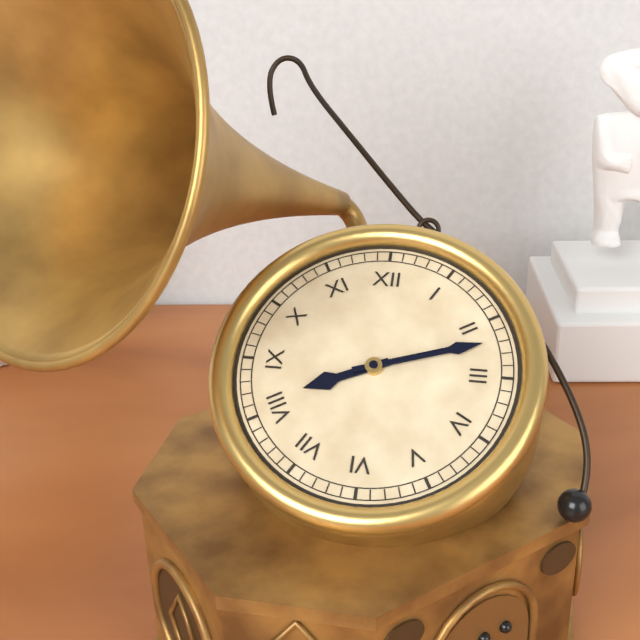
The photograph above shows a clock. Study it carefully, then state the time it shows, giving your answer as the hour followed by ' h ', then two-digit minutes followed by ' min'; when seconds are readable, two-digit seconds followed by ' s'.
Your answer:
8 h 12 min
